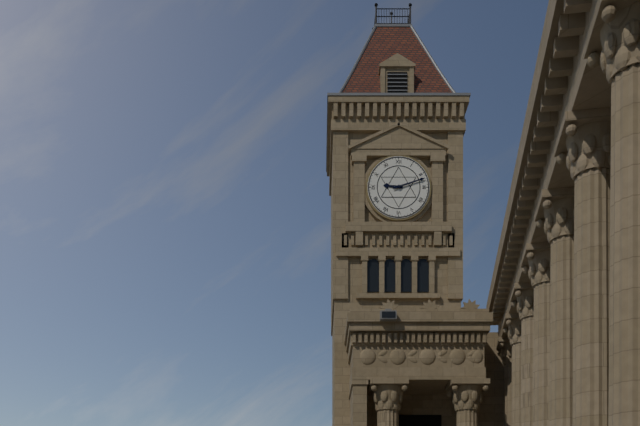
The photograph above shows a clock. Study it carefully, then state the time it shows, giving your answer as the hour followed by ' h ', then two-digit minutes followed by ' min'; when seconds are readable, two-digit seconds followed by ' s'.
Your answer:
9 h 12 min
